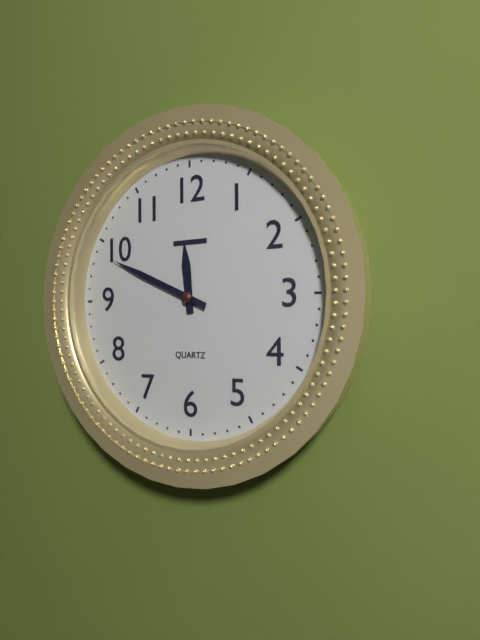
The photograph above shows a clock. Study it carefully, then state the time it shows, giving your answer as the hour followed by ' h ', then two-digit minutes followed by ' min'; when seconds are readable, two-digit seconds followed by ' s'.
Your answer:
11 h 49 min
